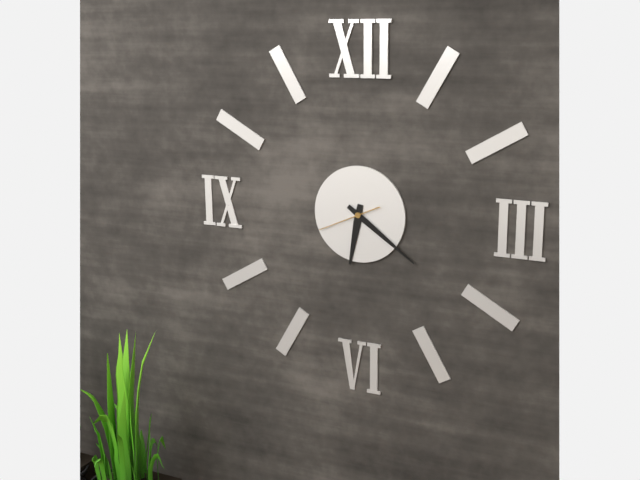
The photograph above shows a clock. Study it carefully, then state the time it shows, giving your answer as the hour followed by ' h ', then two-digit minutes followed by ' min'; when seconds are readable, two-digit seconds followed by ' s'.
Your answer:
6 h 21 min 41 s
